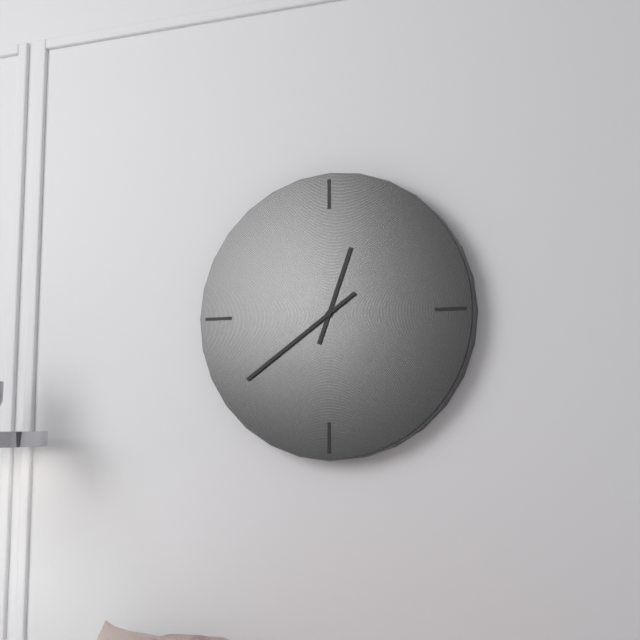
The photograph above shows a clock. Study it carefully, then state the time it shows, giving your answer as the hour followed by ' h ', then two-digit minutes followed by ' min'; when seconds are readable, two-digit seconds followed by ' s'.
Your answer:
12 h 39 min
